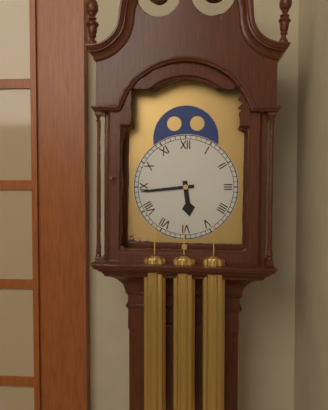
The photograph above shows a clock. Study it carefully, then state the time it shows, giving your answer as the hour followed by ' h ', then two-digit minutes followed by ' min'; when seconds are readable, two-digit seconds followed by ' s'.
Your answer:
5 h 44 min
